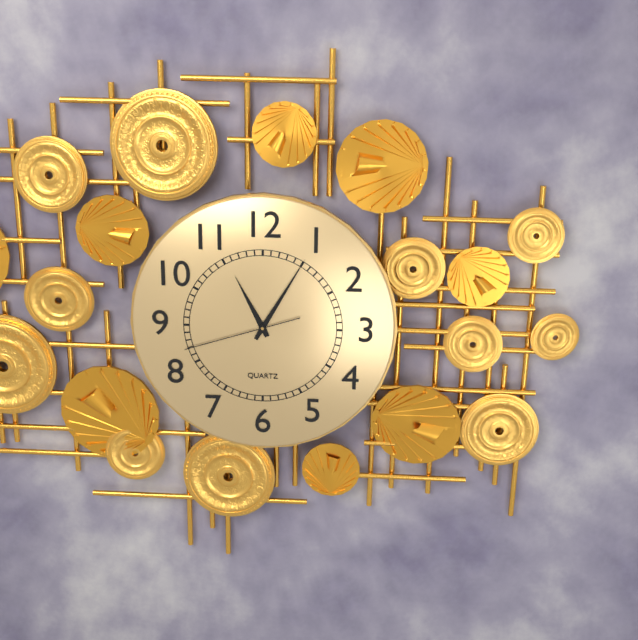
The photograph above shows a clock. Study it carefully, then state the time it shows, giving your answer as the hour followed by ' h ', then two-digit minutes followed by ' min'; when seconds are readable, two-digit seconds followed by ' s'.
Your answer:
11 h 05 min 42 s
